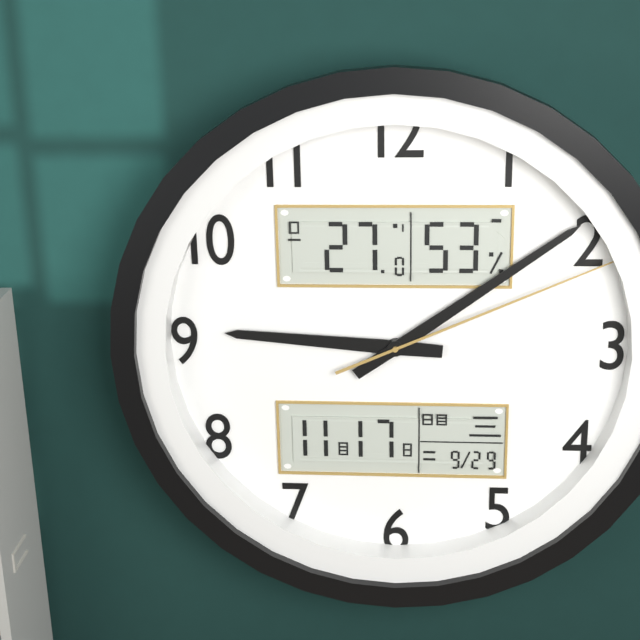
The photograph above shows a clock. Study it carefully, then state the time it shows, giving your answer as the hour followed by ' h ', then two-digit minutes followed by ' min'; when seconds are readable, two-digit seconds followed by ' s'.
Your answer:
9 h 09 min 11 s
